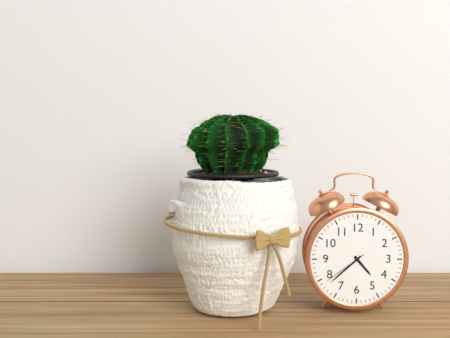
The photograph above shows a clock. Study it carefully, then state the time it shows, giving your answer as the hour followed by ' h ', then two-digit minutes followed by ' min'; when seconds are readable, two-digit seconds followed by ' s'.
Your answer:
4 h 38 min
